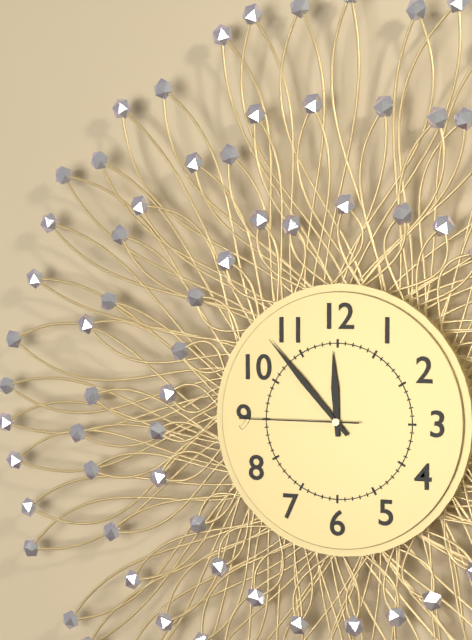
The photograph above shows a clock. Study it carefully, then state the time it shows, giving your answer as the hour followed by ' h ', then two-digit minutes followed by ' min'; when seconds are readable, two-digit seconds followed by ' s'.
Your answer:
11 h 53 min 45 s
